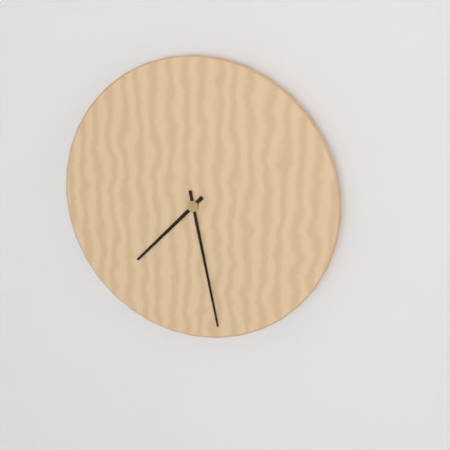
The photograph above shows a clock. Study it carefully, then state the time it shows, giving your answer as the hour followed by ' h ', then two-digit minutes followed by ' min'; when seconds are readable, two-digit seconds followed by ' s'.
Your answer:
7 h 28 min
